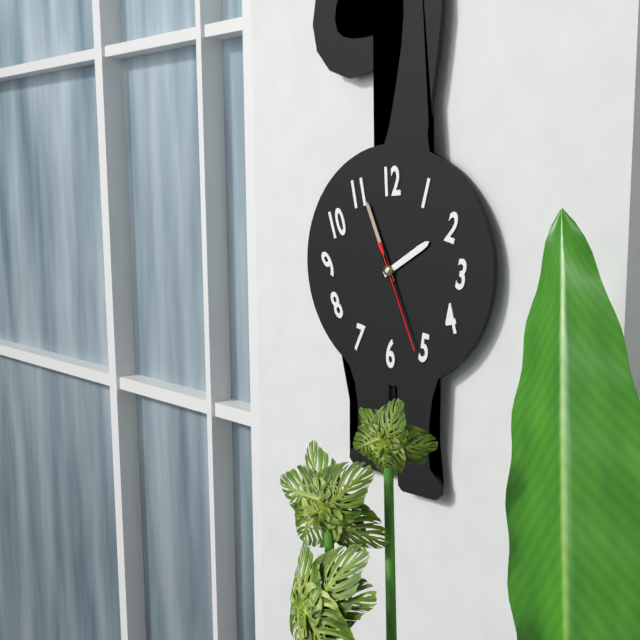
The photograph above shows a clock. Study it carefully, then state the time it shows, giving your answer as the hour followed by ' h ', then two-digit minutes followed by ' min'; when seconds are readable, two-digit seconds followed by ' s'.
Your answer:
1 h 56 min 26 s
